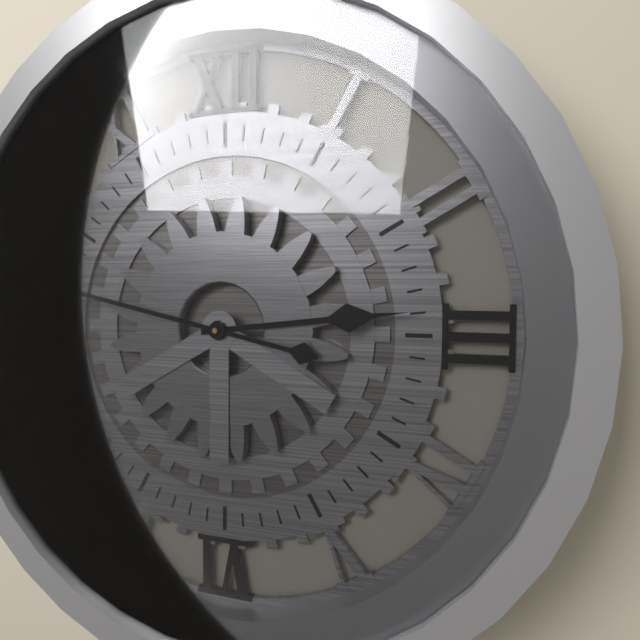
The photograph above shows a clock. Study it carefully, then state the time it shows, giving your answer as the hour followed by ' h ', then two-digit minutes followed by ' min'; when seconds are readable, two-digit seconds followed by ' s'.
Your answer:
2 h 47 min
